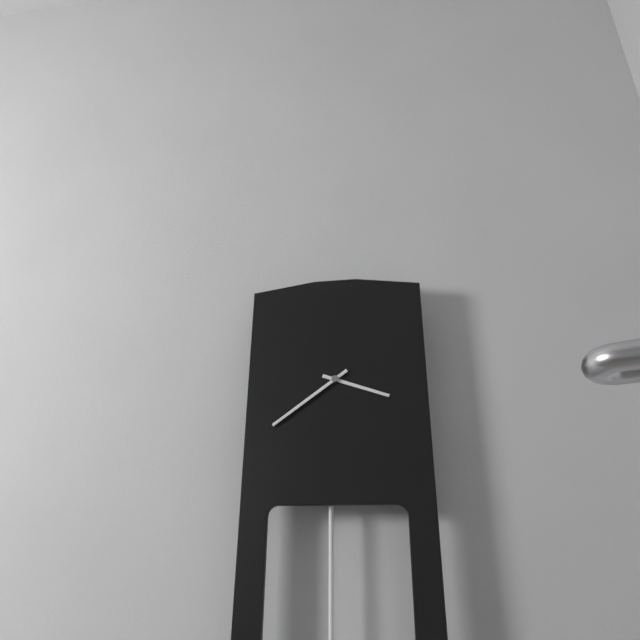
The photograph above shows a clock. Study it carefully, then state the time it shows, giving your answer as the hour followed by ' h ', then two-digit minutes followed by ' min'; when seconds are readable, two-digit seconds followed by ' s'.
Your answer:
3 h 39 min
